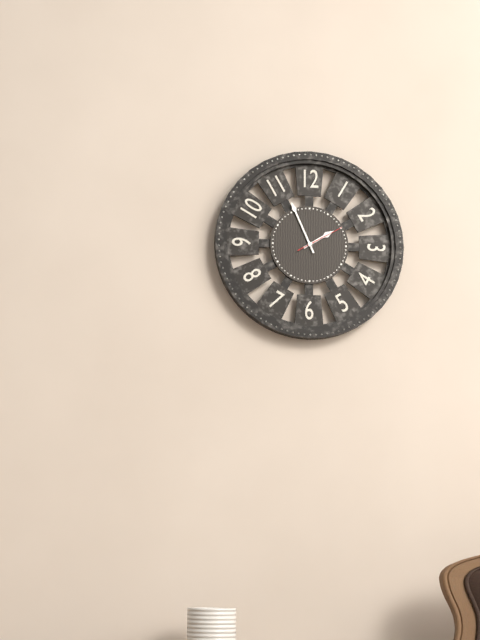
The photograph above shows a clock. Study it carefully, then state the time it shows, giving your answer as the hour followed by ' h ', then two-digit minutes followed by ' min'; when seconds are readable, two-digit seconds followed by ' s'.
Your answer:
1 h 56 min
